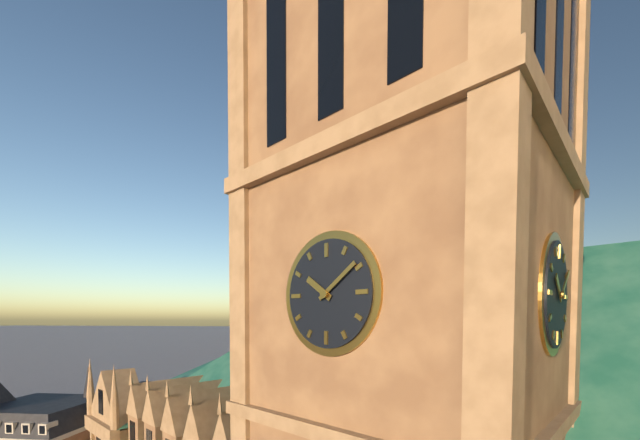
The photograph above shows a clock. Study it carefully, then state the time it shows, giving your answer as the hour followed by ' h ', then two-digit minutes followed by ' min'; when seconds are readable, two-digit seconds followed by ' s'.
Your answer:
10 h 09 min
